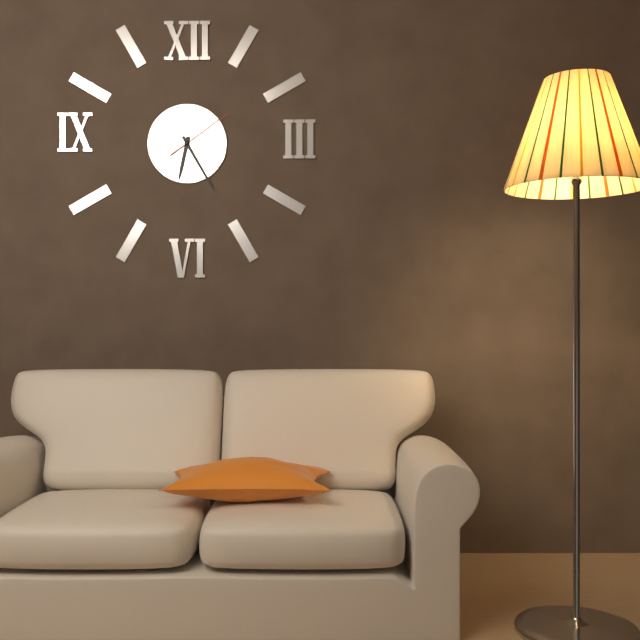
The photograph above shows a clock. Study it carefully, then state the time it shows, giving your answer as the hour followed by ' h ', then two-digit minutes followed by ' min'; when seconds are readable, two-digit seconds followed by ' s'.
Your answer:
6 h 25 min 09 s
